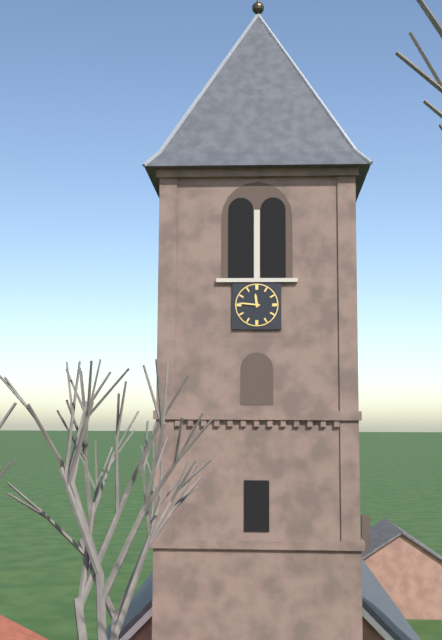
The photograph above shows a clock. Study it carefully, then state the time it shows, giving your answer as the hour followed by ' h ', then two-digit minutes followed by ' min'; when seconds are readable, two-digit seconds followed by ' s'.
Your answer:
11 h 46 min
